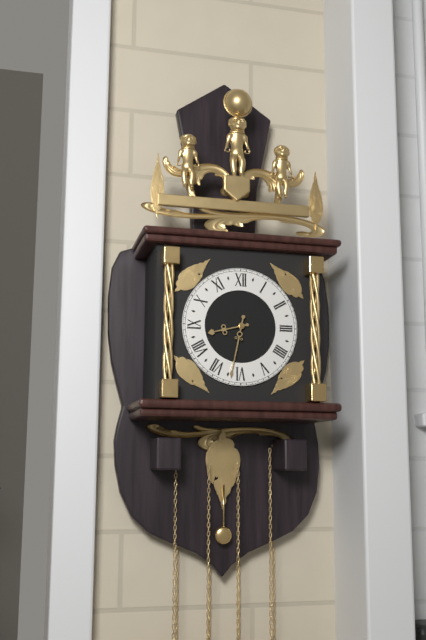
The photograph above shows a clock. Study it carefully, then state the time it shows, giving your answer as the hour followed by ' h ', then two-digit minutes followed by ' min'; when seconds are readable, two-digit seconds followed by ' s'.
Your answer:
8 h 32 min
